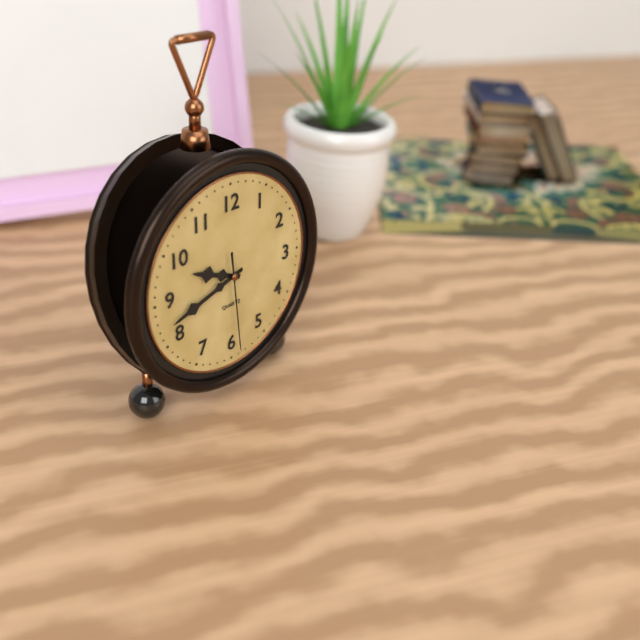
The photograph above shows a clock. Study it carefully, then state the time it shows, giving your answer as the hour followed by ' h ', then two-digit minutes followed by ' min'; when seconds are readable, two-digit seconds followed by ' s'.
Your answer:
9 h 42 min 29 s
